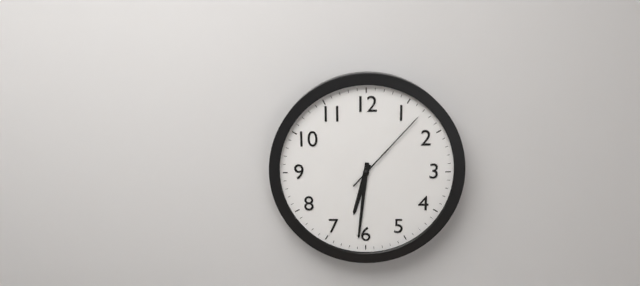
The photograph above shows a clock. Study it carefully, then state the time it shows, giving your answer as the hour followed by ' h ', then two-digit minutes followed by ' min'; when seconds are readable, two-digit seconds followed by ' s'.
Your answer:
6 h 31 min 07 s
